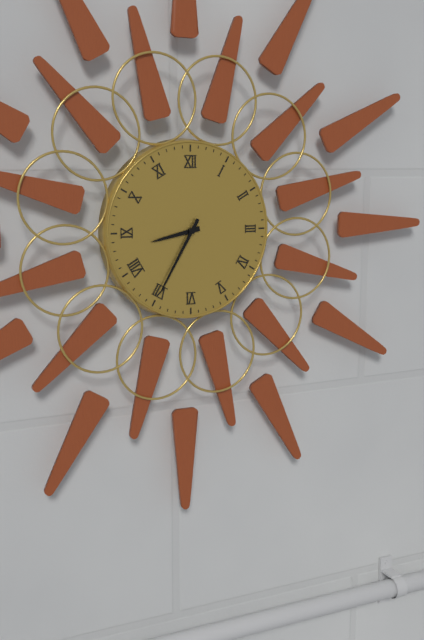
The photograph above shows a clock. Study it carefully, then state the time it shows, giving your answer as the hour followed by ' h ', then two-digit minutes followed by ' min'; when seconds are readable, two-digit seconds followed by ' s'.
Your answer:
8 h 35 min
